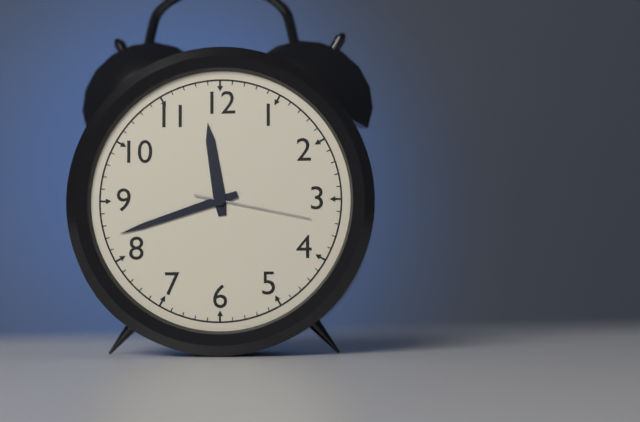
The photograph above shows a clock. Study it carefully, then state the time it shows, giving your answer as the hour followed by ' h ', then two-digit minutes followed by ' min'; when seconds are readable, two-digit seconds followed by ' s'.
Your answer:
11 h 42 min 17 s
